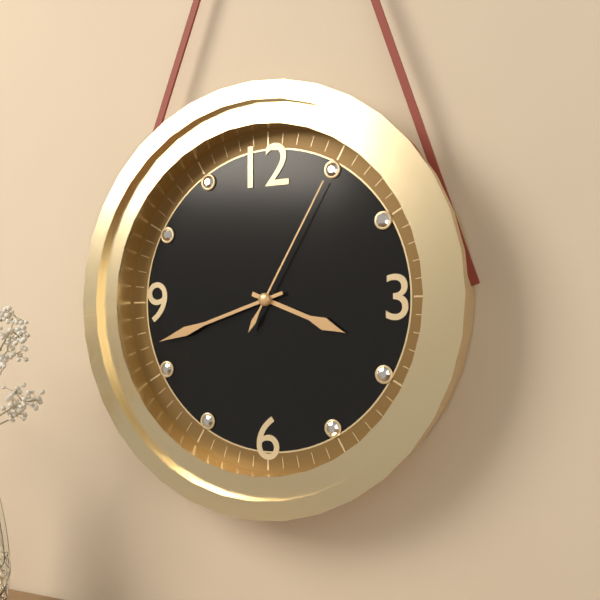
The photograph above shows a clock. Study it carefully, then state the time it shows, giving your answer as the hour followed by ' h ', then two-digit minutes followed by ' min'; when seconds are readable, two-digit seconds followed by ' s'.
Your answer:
3 h 42 min 05 s
